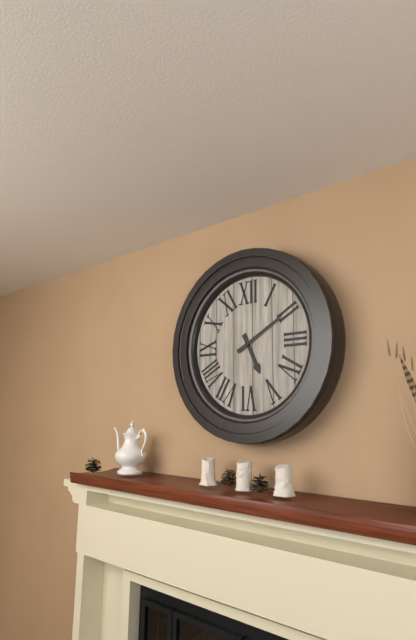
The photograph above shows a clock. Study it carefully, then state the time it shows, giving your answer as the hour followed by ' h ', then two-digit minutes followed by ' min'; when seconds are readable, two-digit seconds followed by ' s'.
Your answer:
5 h 10 min
